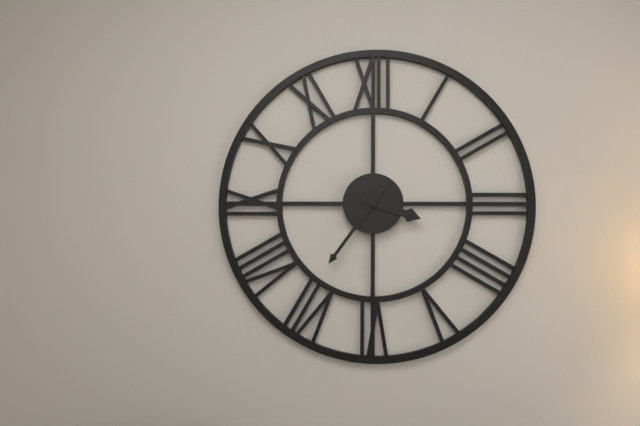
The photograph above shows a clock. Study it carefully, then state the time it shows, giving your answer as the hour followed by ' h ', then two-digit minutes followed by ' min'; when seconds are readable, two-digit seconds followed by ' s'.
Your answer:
3 h 36 min
